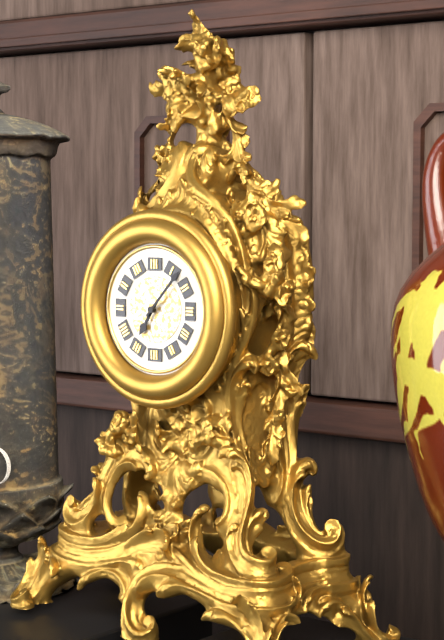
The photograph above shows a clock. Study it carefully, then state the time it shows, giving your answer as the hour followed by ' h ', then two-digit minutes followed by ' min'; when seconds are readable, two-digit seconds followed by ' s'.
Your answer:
7 h 07 min
